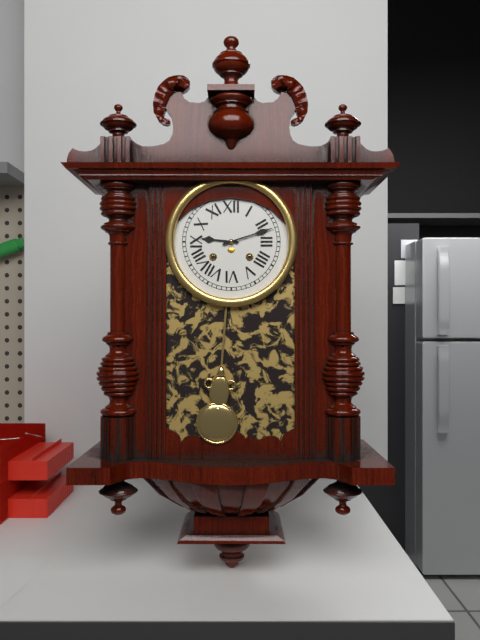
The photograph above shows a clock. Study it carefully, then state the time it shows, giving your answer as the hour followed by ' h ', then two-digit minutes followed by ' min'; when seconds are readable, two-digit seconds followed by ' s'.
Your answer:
9 h 12 min
